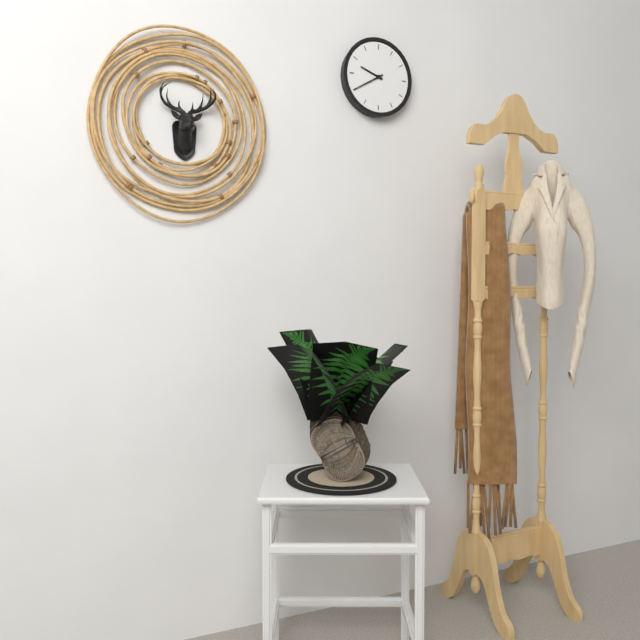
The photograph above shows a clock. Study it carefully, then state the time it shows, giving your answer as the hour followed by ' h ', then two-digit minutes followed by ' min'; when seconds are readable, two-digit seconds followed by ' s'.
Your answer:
9 h 40 min
